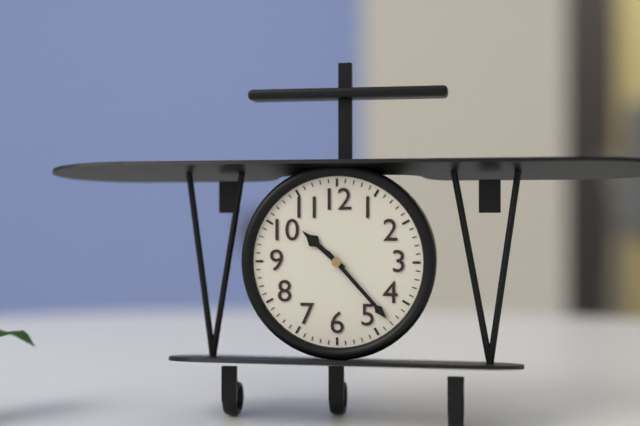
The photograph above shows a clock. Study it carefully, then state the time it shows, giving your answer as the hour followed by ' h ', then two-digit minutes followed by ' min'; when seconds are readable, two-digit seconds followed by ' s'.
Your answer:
10 h 23 min
